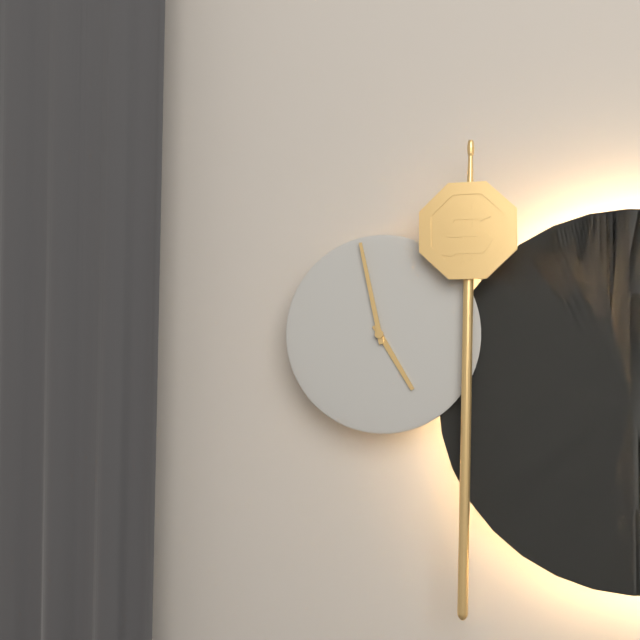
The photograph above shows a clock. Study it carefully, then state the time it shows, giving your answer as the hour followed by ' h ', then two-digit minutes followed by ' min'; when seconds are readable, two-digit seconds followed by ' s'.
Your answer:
4 h 58 min
